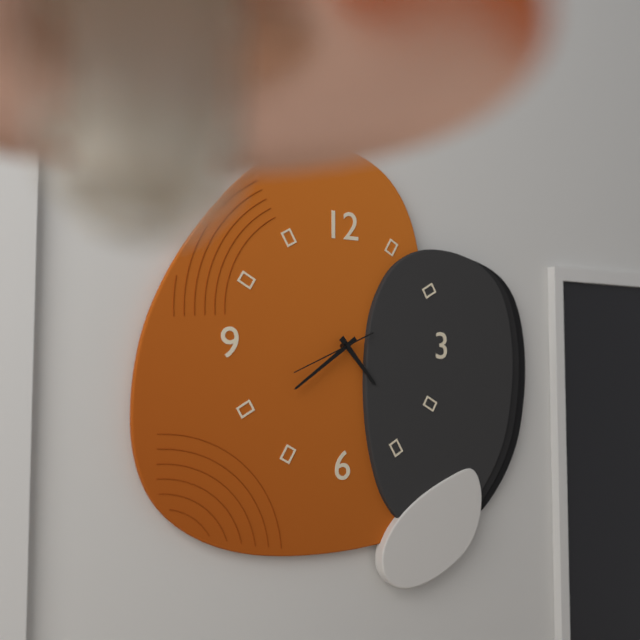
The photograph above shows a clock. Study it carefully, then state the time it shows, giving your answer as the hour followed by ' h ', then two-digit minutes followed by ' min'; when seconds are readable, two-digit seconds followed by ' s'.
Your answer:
4 h 39 min 41 s
